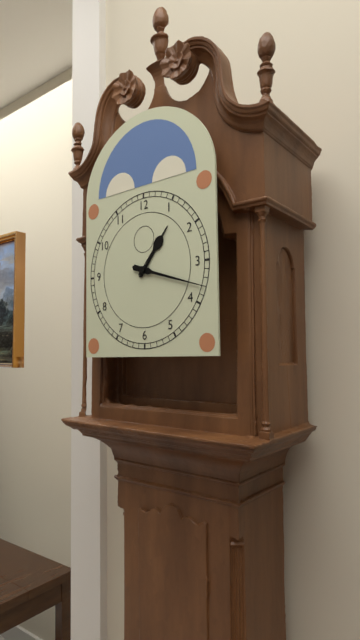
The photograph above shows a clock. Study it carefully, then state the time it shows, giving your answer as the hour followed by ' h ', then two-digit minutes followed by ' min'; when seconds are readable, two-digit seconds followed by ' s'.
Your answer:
1 h 18 min
